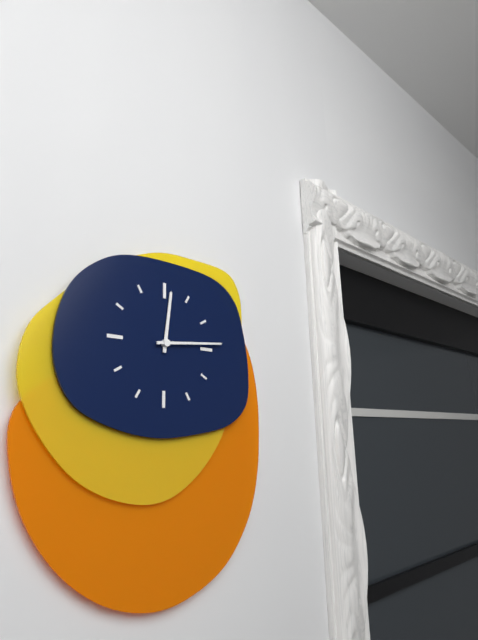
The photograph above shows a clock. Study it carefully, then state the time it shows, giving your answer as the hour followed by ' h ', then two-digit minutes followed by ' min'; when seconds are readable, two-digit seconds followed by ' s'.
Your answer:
12 h 14 min
